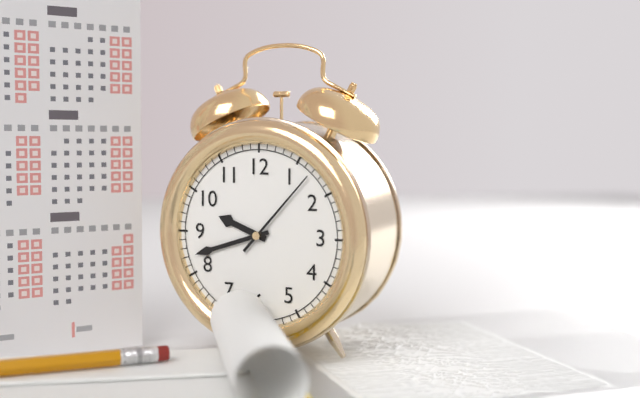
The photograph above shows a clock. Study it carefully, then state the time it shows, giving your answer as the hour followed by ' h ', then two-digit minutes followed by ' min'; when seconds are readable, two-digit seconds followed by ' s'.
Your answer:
9 h 42 min 07 s
